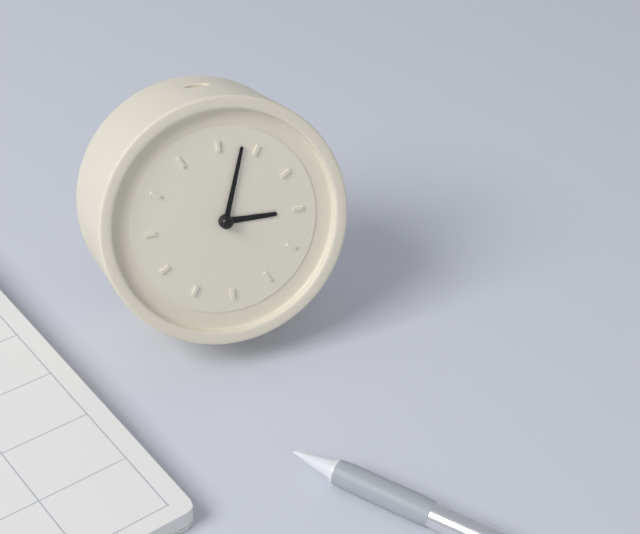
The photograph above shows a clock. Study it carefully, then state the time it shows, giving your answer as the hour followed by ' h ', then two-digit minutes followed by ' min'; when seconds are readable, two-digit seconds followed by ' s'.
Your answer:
3 h 03 min
